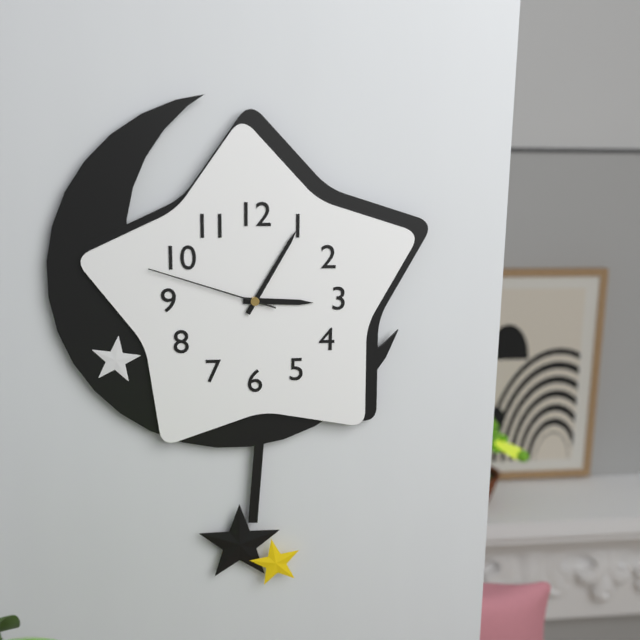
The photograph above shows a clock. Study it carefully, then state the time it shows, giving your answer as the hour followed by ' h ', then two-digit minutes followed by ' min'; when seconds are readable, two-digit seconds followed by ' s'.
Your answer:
3 h 05 min 48 s
